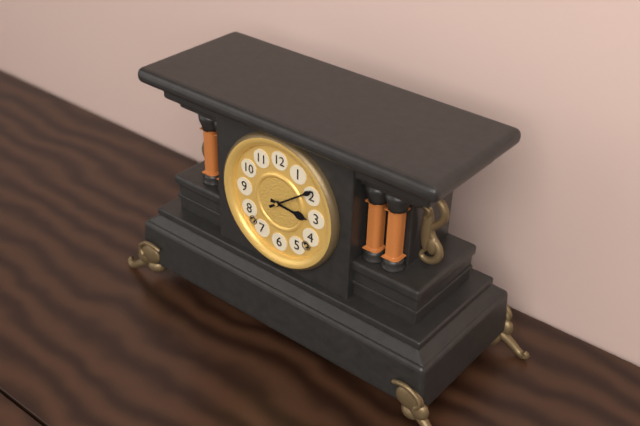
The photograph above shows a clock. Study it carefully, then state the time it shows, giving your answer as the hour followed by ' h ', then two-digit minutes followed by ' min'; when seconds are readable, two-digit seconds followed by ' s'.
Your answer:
3 h 09 min
